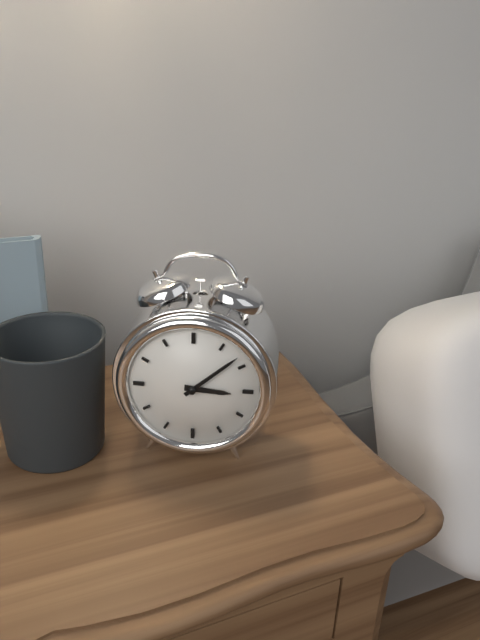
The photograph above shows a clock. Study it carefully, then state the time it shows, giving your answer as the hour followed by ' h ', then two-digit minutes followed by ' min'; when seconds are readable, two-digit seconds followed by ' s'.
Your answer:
3 h 08 min
